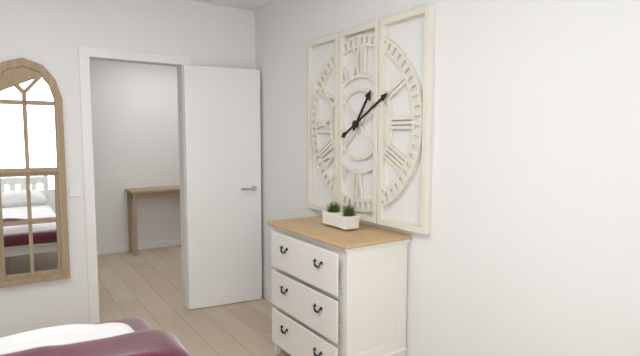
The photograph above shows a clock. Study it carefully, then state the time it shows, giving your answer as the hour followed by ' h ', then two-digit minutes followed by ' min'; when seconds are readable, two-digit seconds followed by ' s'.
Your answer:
1 h 10 min
